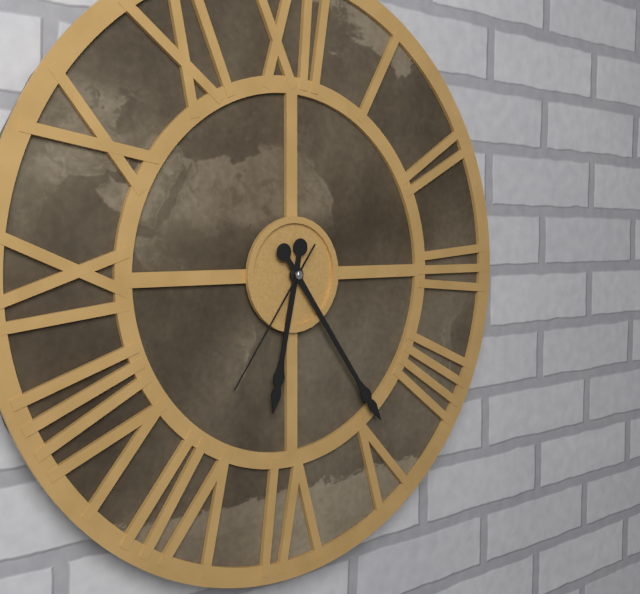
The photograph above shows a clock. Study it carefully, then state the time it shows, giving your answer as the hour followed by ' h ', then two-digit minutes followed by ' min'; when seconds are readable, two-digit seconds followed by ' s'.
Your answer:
6 h 24 min 36 s
